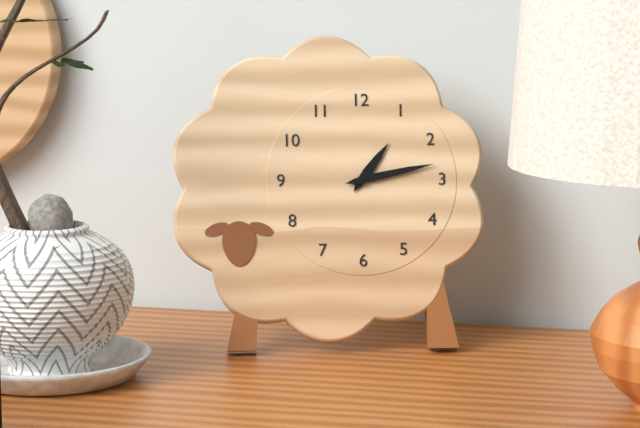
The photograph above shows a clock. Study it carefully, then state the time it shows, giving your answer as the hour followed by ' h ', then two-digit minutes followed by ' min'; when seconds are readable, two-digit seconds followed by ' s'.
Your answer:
1 h 13 min
